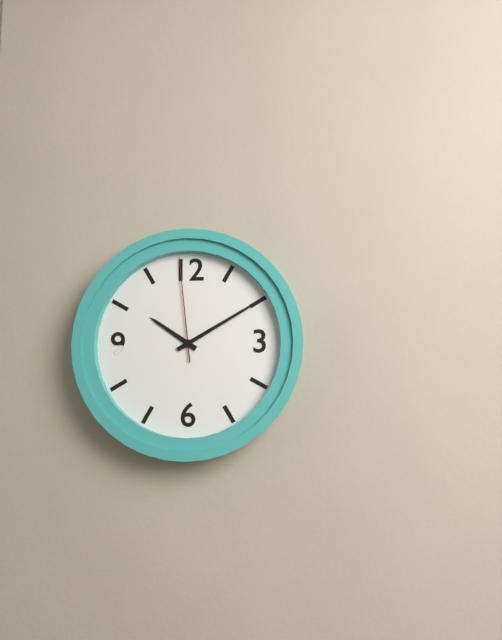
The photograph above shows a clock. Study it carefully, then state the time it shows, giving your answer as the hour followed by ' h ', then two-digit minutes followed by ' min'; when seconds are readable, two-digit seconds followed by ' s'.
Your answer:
10 h 10 min 59 s
